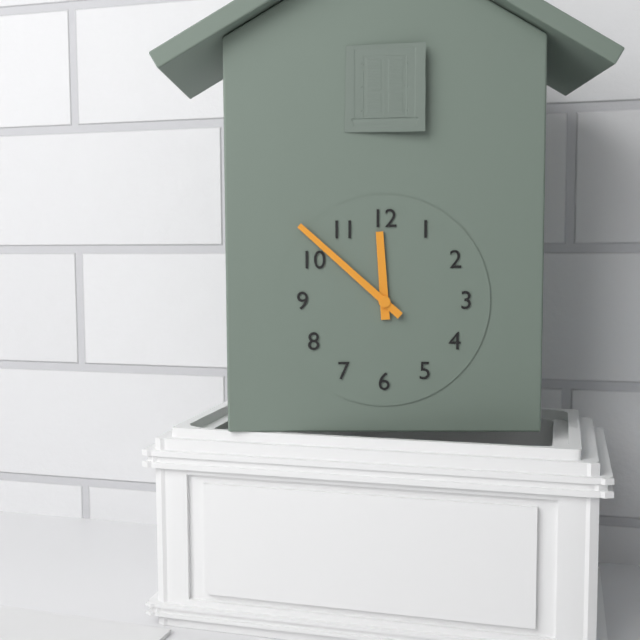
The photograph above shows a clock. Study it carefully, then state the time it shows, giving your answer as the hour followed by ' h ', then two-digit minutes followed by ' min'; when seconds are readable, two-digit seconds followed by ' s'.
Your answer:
11 h 52 min
